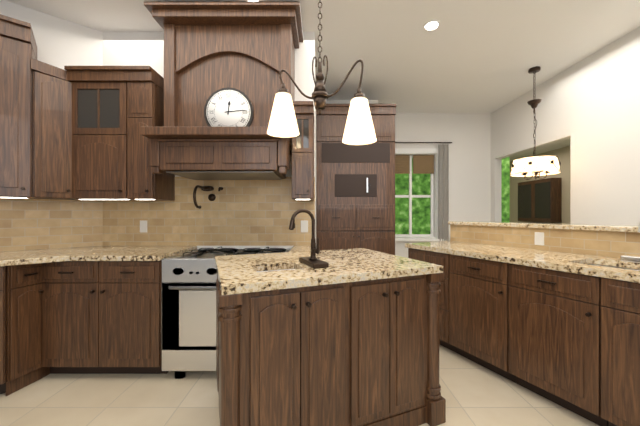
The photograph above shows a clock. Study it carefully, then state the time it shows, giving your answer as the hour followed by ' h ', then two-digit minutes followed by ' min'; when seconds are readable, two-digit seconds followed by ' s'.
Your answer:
12 h 14 min
